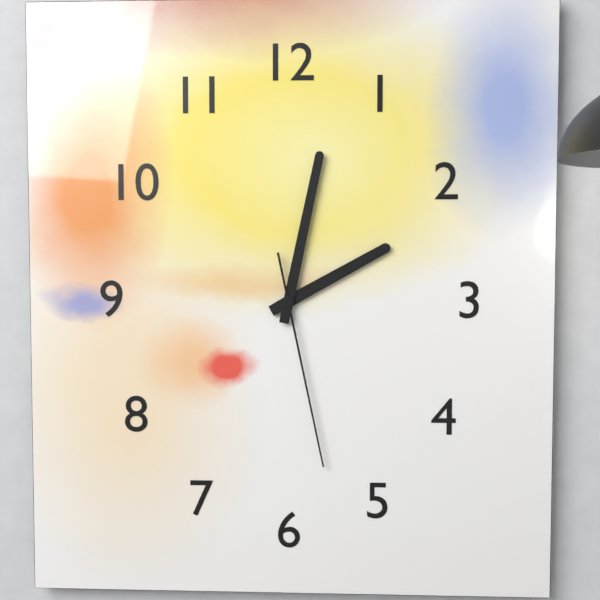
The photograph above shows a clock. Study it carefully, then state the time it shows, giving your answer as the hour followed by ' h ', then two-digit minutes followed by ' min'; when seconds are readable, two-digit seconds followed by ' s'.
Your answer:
2 h 02 min 28 s
